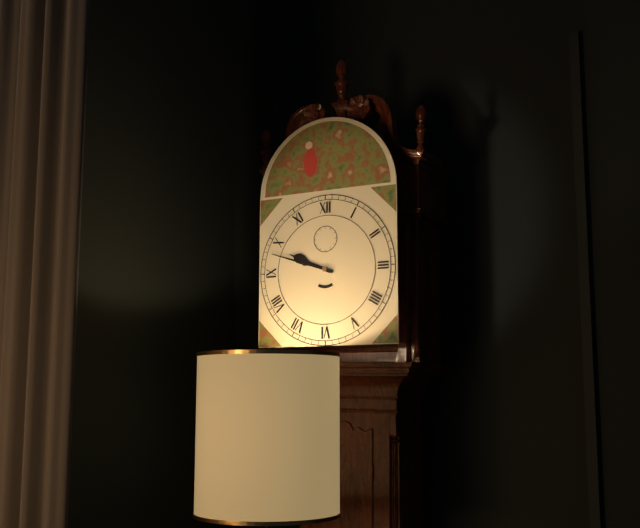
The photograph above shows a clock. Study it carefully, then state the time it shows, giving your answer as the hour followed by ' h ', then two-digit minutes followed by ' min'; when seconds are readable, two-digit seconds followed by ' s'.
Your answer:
9 h 48 min
